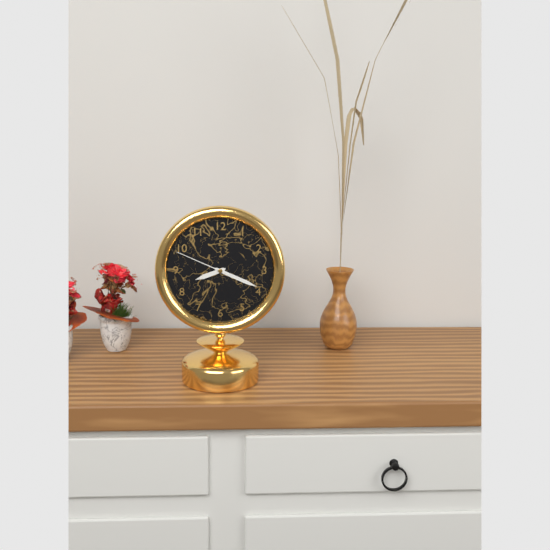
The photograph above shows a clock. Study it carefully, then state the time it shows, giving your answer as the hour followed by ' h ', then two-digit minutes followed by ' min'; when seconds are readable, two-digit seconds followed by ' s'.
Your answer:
8 h 19 min 49 s
